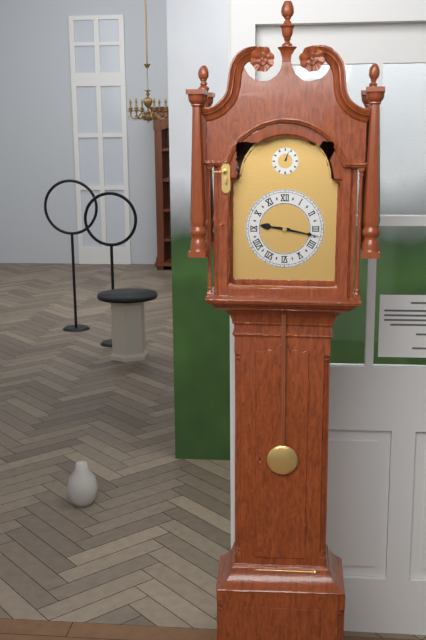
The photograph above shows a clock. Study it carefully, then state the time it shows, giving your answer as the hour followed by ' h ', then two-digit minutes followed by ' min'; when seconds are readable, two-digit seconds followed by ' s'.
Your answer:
9 h 17 min
